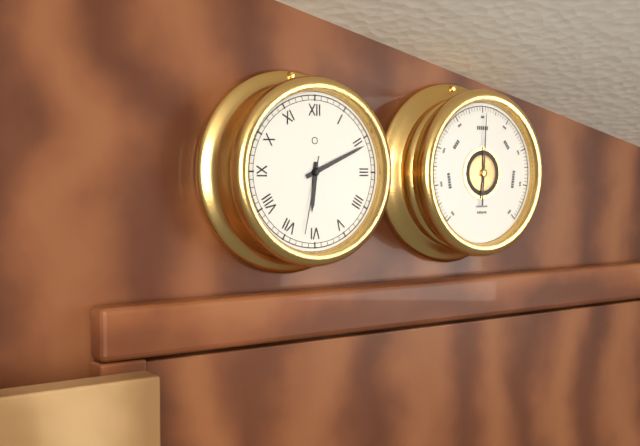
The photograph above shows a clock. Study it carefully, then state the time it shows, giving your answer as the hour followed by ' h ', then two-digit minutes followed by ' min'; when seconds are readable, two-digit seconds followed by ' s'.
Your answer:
6 h 11 min 32 s
